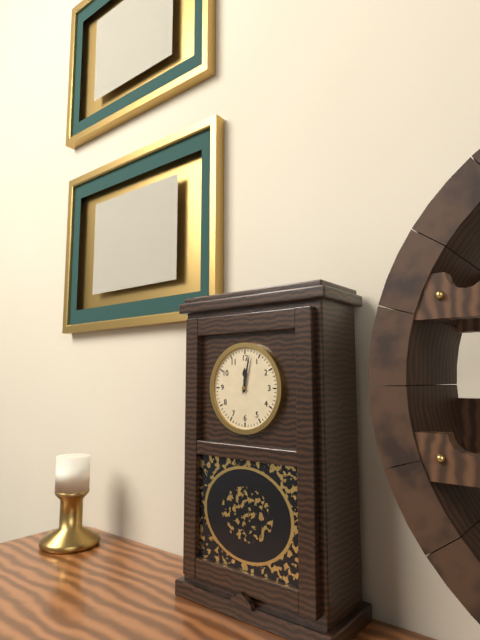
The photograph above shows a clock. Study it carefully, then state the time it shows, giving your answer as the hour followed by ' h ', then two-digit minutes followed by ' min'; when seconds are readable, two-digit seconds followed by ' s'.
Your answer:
12 h 02 min
